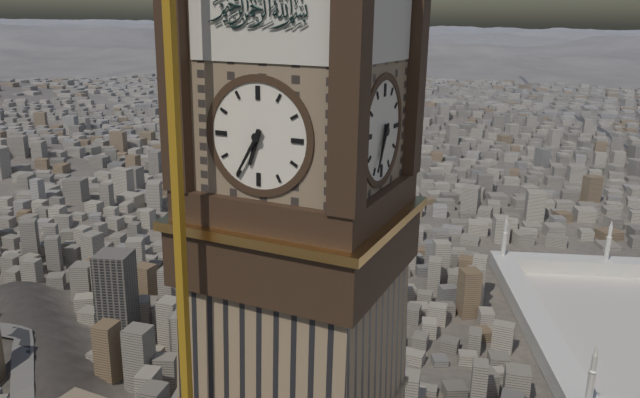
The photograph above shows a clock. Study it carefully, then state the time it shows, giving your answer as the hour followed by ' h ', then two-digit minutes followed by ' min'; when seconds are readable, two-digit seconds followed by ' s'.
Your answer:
6 h 35 min
